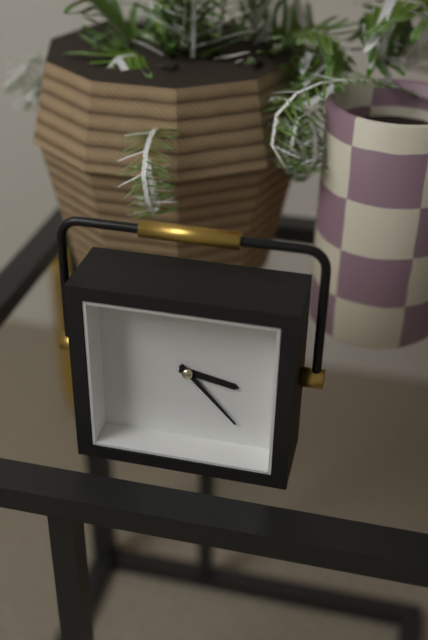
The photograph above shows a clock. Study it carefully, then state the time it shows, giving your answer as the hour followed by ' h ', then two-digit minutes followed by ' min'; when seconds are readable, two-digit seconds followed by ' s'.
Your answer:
3 h 23 min
